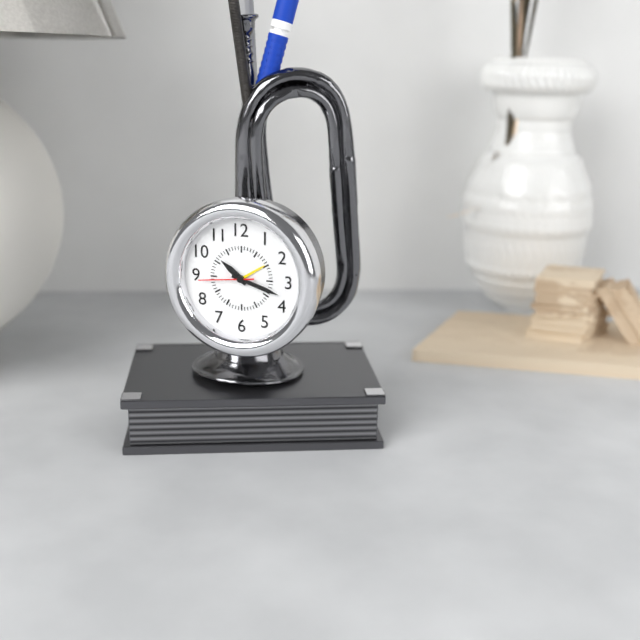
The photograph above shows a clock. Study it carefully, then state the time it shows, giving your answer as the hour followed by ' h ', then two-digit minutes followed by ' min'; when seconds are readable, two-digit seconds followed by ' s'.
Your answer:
10 h 18 min 44 s
